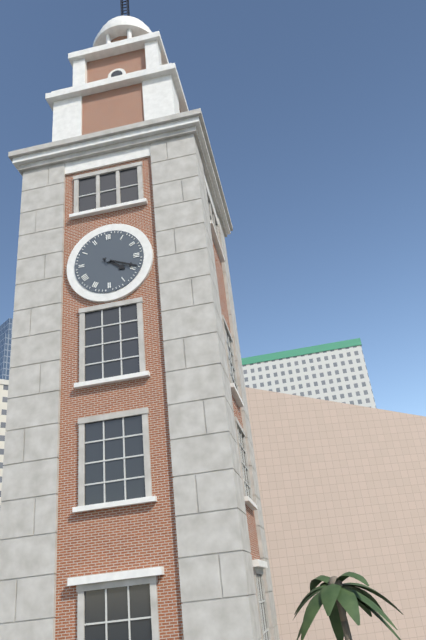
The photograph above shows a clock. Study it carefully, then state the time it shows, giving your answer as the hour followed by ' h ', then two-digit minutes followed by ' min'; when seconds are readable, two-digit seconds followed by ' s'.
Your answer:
4 h 19 min
